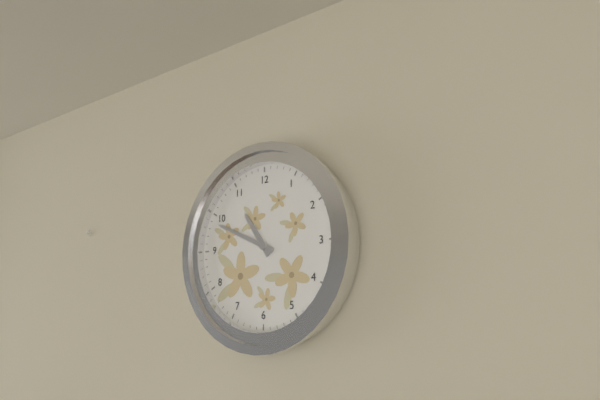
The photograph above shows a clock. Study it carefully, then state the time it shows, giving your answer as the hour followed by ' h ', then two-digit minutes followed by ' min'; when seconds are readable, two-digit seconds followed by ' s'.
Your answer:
10 h 49 min
